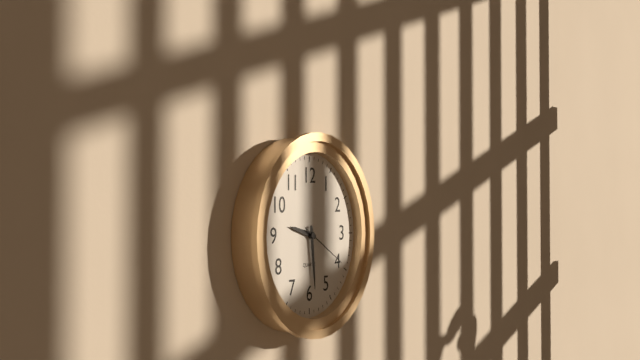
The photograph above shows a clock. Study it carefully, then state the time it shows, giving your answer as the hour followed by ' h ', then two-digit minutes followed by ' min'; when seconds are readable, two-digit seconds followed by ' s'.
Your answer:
9 h 29 min 20 s
